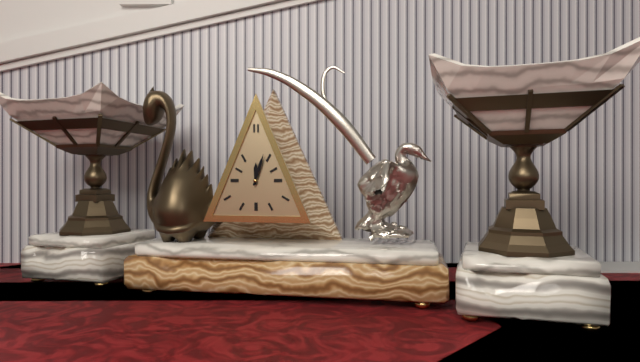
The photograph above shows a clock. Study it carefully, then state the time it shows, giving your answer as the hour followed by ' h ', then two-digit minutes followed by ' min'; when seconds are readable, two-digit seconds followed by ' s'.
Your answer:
12 h 03 min
